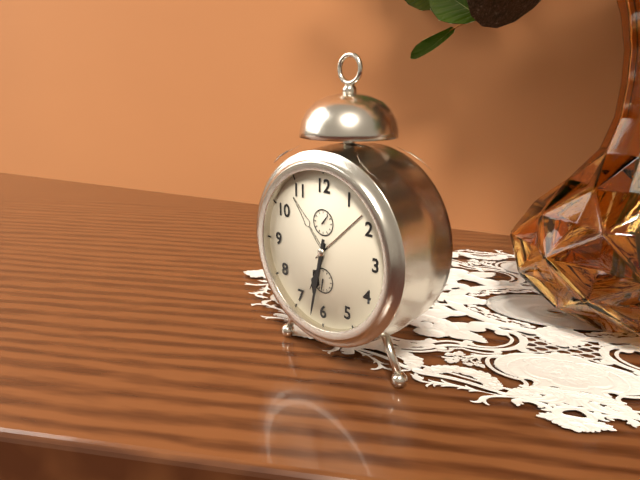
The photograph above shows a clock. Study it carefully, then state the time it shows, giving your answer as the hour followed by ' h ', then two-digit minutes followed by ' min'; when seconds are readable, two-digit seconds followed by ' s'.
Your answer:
6 h 32 min
